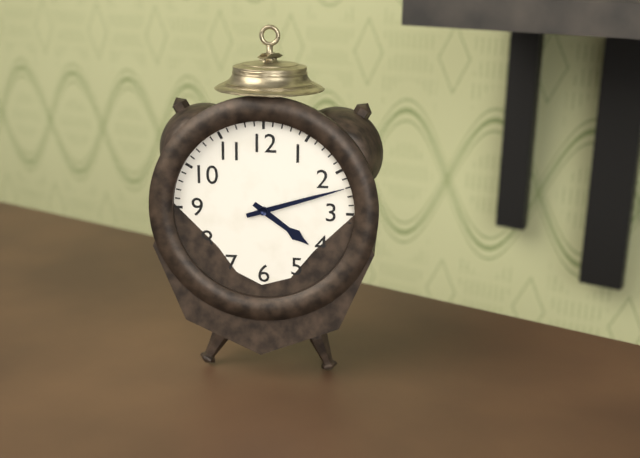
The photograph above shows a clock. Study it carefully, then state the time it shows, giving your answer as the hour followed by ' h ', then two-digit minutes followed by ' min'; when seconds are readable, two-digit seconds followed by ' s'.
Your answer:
4 h 12 min
